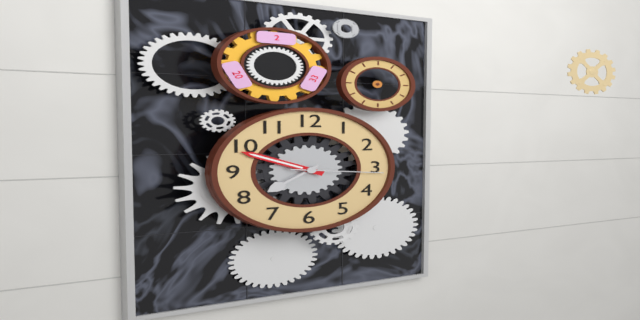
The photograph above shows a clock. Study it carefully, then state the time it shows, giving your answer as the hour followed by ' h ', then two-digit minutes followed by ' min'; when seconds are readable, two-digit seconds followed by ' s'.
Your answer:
7 h 49 min 16 s
